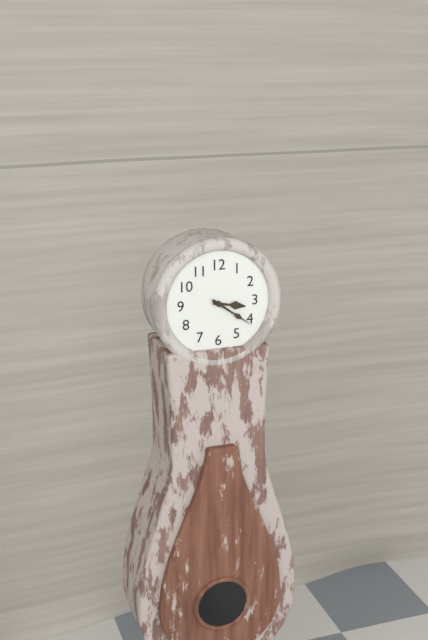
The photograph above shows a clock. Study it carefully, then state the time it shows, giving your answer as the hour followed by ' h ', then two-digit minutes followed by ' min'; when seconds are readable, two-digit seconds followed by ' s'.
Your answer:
3 h 21 min
